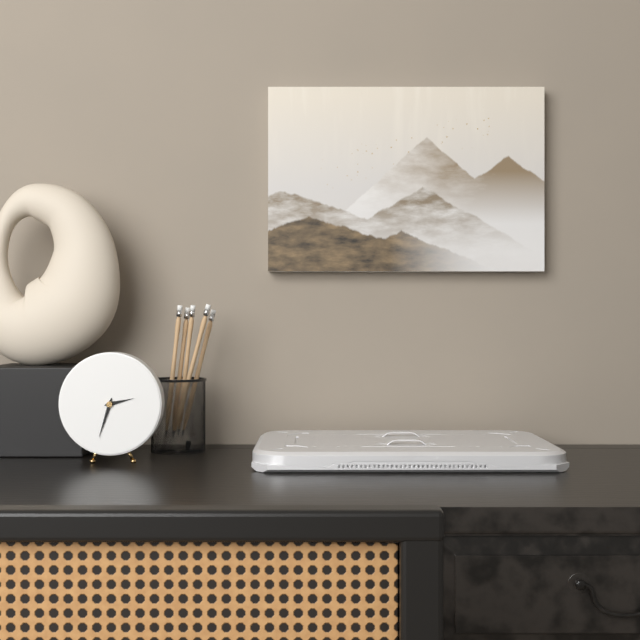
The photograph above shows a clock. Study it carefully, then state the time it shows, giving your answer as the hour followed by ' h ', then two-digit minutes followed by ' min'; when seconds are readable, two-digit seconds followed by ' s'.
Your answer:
2 h 33 min
